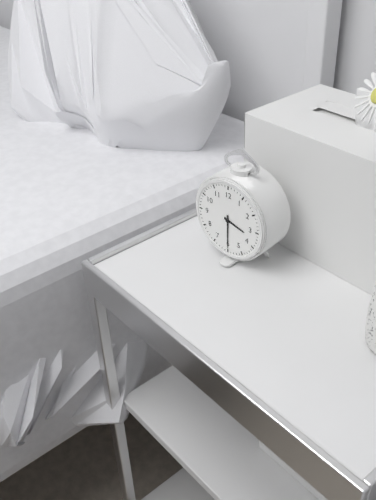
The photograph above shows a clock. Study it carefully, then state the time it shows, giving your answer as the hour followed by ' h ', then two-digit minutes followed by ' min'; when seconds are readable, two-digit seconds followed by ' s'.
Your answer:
3 h 30 min
